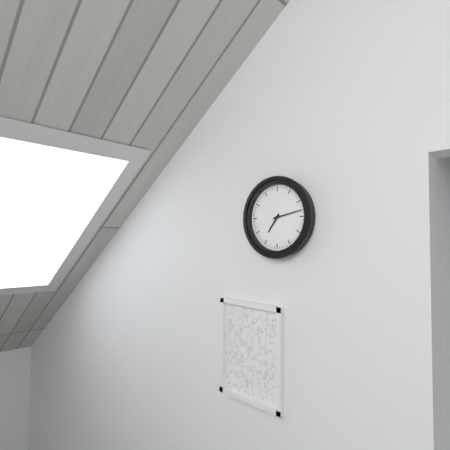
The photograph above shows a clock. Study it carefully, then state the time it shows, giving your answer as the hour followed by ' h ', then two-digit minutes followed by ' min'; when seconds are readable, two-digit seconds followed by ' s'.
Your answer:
7 h 13 min
